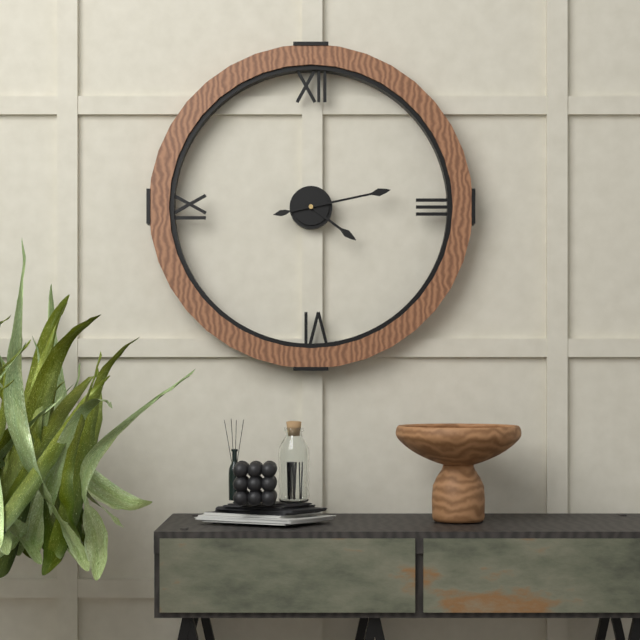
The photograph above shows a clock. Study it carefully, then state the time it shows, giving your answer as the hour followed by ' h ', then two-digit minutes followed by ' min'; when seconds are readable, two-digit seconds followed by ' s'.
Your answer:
4 h 13 min
